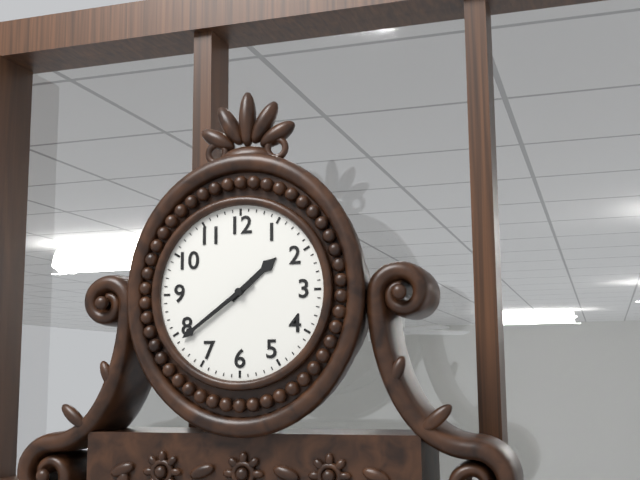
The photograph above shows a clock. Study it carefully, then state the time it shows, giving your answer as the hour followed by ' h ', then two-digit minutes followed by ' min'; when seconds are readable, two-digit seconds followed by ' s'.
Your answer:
1 h 39 min
